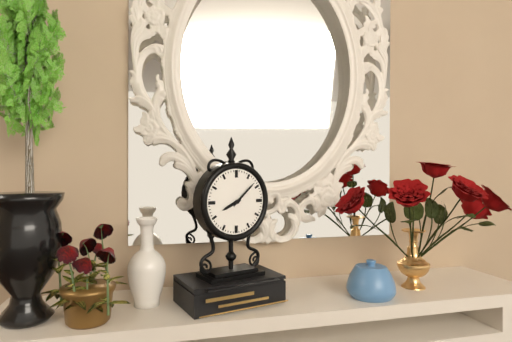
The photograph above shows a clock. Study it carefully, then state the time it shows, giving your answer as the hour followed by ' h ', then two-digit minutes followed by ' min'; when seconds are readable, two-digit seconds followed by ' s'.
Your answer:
8 h 08 min
